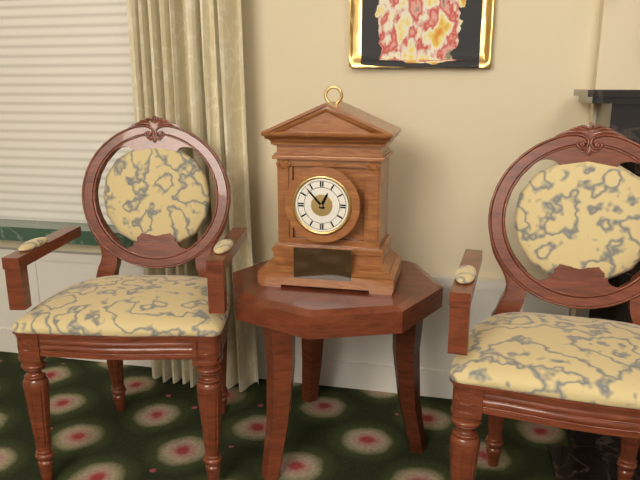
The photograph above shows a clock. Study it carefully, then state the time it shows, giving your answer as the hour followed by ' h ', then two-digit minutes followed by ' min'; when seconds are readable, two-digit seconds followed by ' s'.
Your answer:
12 h 53 min
